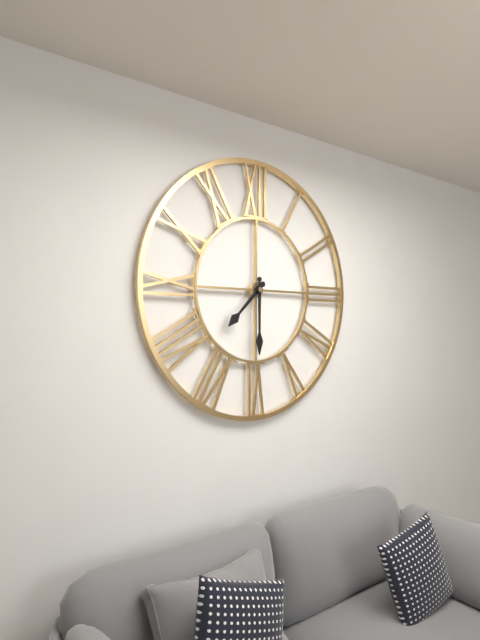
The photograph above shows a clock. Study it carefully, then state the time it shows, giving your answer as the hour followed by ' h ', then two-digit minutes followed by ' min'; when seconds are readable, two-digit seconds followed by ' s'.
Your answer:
7 h 30 min
